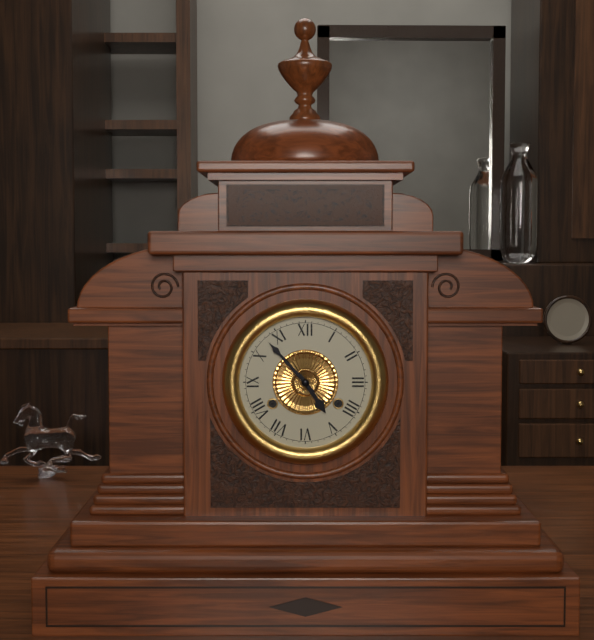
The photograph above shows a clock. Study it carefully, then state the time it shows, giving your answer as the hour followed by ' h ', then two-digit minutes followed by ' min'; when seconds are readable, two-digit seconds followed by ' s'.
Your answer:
4 h 53 min
